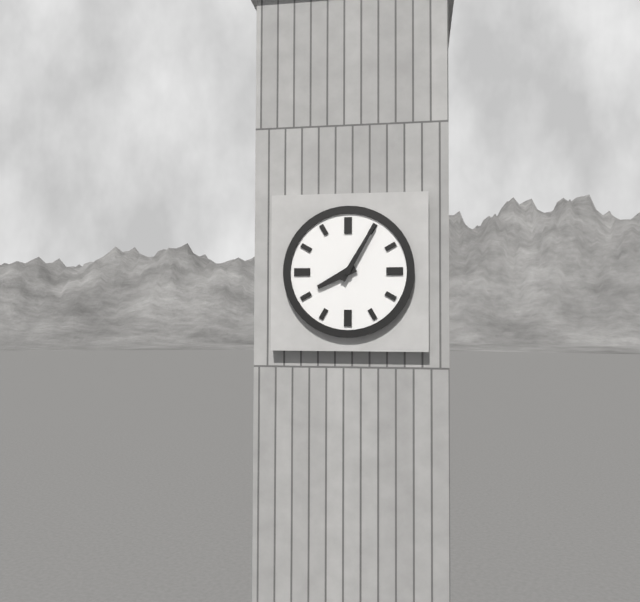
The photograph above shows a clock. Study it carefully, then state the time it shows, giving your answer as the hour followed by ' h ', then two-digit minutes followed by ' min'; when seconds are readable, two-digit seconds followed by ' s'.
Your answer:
8 h 05 min
